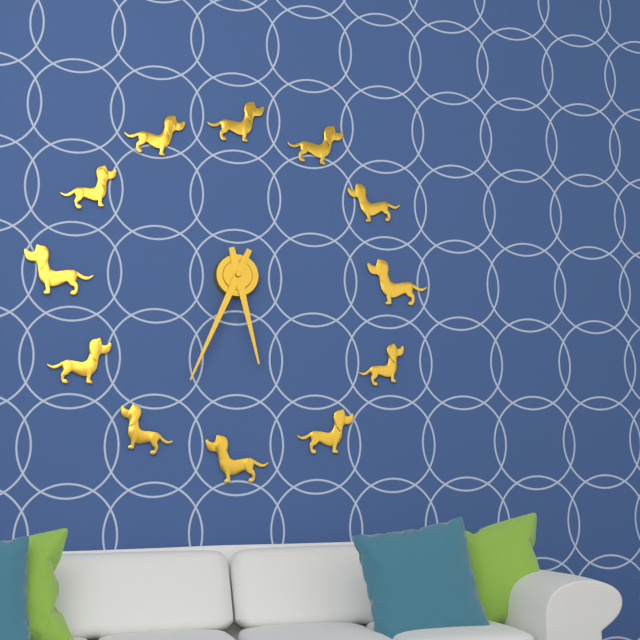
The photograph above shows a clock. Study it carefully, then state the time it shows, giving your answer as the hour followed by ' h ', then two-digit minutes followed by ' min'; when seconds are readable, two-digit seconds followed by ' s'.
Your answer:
5 h 34 min
